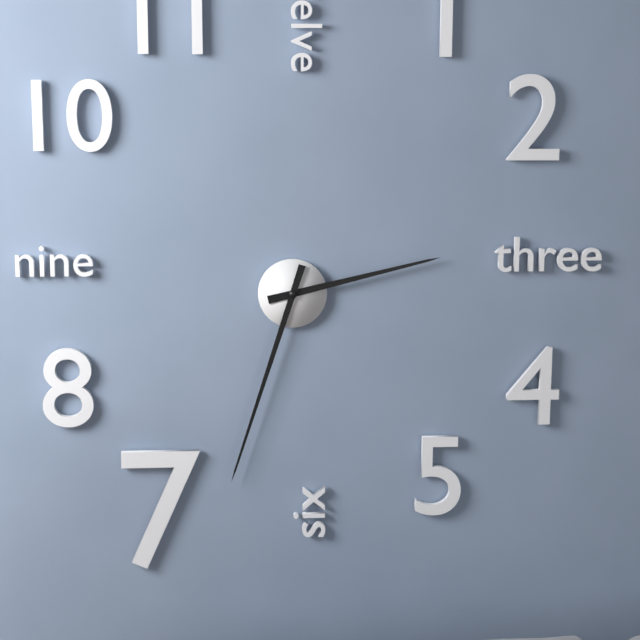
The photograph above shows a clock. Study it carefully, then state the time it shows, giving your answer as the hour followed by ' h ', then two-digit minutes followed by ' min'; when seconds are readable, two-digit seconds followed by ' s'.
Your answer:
2 h 33 min
